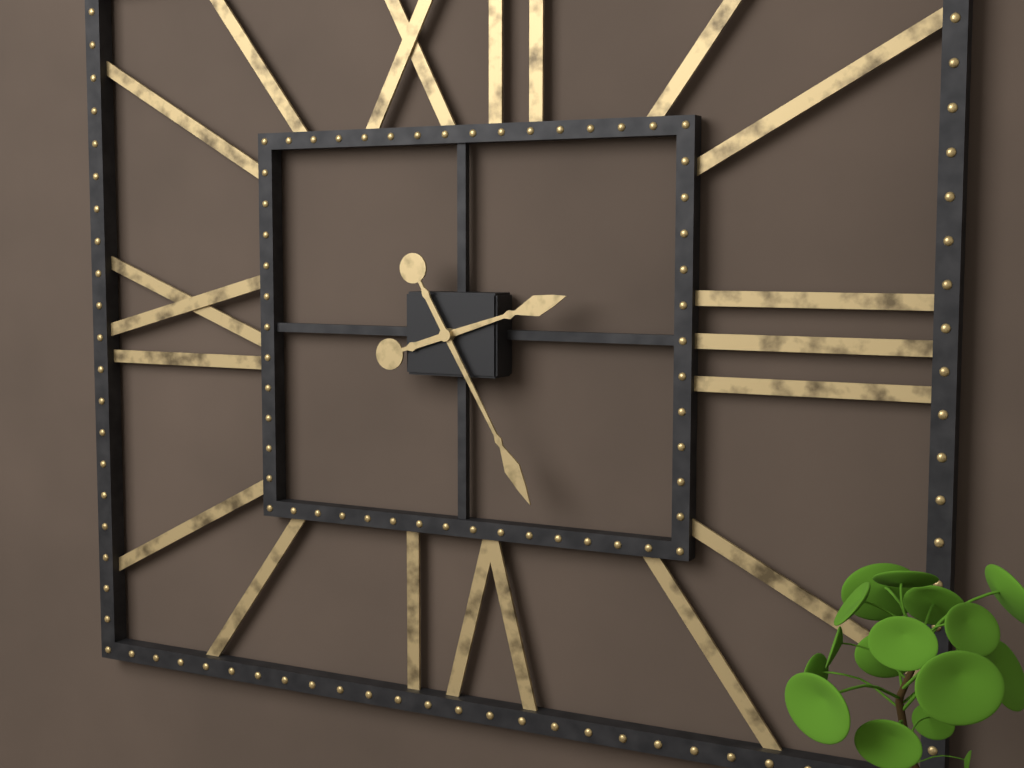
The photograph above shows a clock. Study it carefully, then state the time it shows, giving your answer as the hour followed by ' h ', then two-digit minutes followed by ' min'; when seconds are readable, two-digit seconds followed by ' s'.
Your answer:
2 h 25 min
